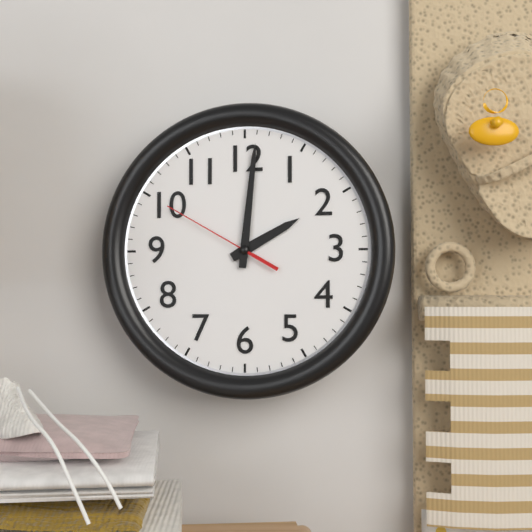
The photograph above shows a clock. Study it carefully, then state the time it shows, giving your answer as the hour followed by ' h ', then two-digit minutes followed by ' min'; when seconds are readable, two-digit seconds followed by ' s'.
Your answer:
2 h 01 min 50 s
